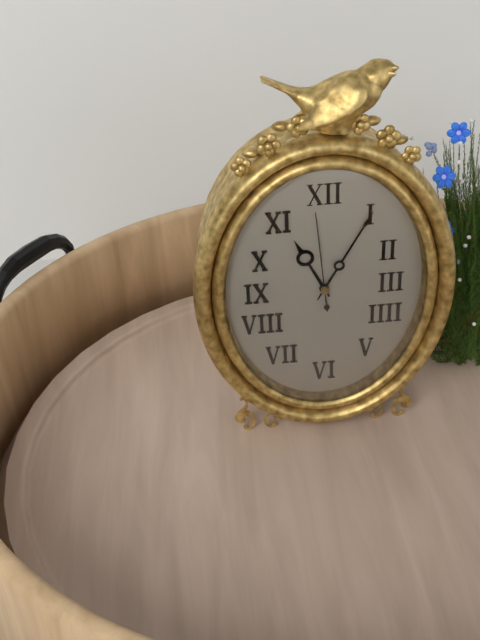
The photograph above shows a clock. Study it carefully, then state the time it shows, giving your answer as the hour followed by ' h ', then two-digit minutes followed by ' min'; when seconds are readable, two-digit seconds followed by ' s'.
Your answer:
11 h 05 min 59 s
